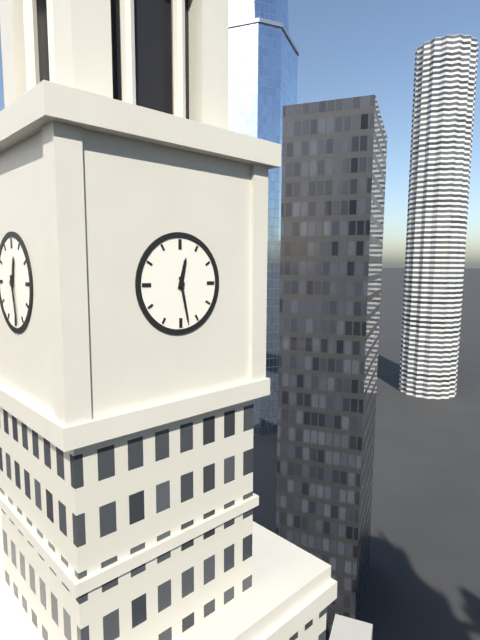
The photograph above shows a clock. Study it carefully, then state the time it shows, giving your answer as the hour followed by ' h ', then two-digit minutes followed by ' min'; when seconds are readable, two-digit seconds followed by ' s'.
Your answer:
12 h 28 min
